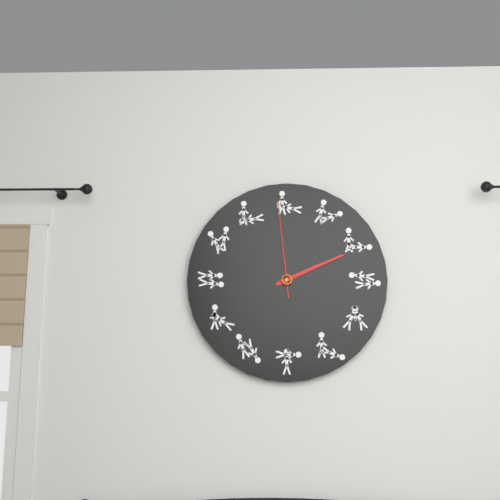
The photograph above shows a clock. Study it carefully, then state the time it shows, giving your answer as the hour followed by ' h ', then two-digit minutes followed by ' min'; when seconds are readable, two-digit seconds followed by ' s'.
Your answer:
2 h 11 min 59 s
